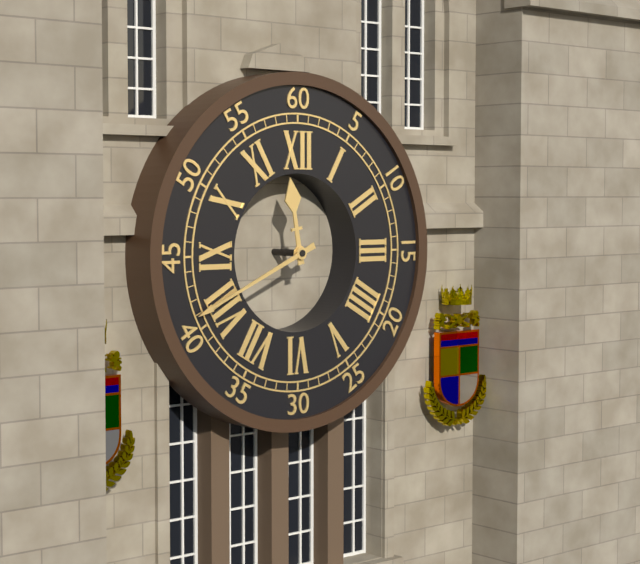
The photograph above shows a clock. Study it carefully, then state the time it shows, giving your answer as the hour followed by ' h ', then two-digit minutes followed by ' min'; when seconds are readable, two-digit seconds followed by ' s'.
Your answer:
11 h 41 min
